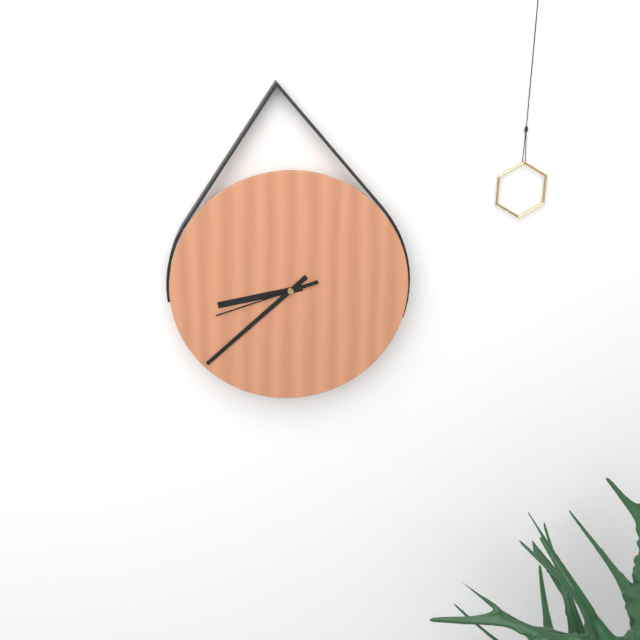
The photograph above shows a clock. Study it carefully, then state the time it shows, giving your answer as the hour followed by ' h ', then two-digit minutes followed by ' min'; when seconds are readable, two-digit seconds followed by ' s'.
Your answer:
8 h 38 min 42 s
